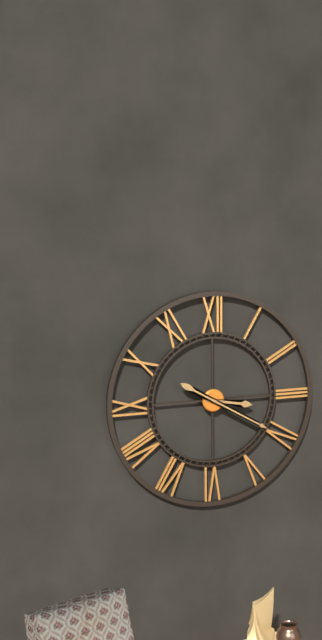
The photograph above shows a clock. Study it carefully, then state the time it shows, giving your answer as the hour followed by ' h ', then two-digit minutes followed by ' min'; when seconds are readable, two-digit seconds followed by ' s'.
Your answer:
3 h 20 min
